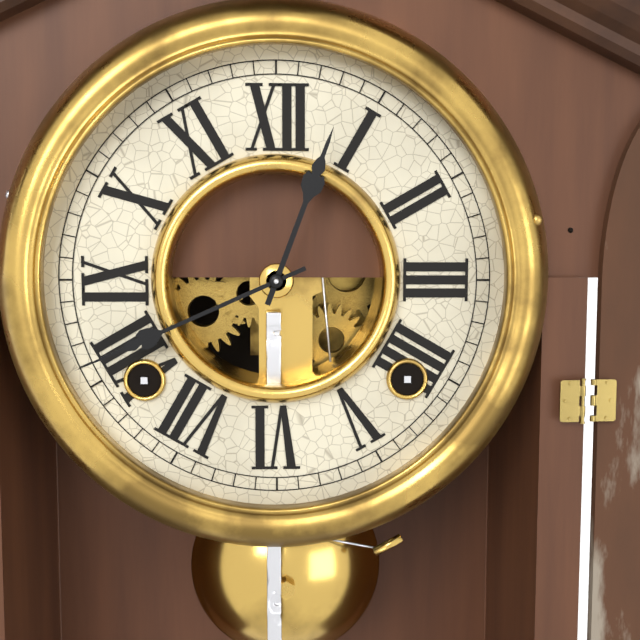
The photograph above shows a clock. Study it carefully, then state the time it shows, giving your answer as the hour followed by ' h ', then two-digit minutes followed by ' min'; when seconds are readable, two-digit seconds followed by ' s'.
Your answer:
12 h 41 min
